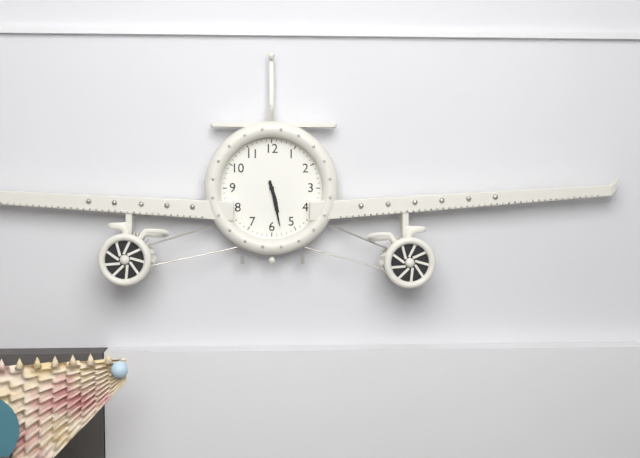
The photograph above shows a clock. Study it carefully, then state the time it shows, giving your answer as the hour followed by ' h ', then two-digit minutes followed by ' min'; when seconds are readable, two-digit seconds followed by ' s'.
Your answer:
5 h 28 min
